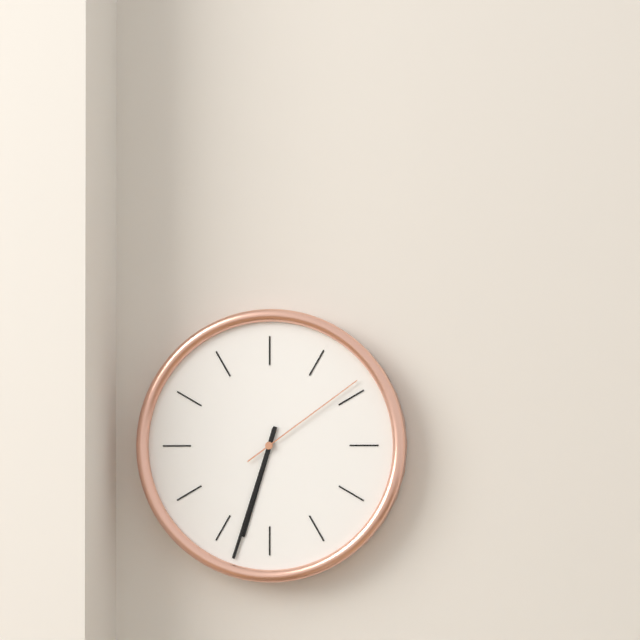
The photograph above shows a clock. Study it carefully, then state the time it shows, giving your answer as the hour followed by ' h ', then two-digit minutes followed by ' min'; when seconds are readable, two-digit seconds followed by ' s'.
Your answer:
6 h 33 min 09 s
